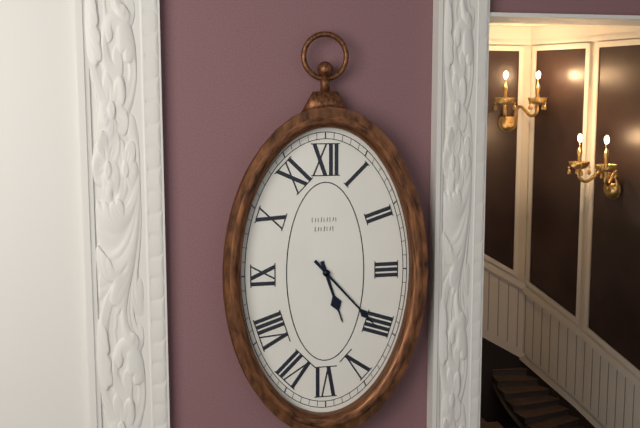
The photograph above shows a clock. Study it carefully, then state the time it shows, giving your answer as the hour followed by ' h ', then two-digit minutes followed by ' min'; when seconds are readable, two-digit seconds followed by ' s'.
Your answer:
5 h 23 min
